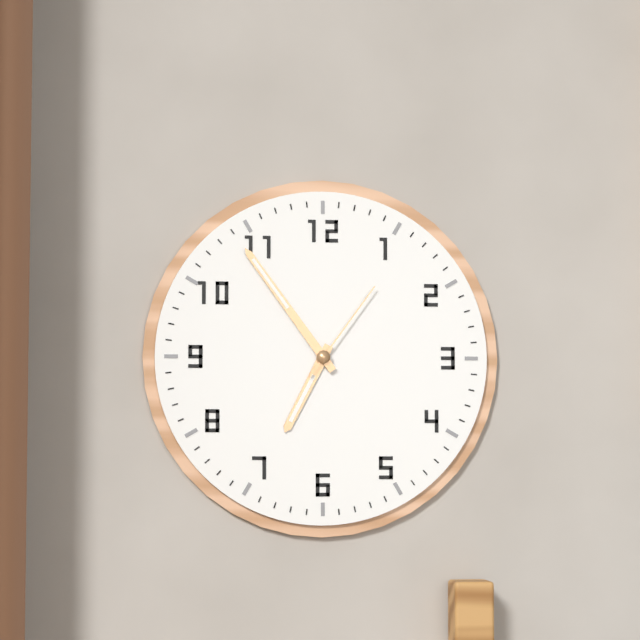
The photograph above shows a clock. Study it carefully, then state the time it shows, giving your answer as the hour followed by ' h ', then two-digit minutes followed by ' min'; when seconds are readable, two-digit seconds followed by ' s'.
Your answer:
6 h 54 min 06 s
